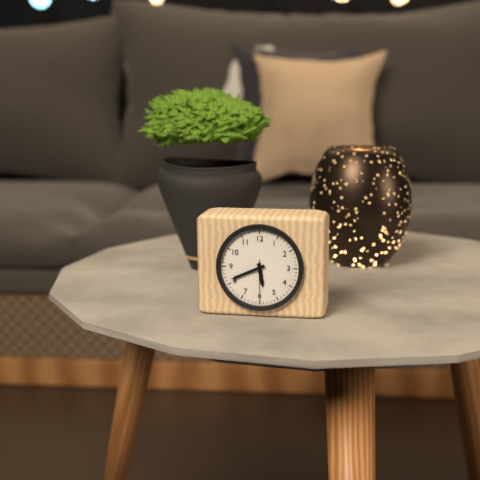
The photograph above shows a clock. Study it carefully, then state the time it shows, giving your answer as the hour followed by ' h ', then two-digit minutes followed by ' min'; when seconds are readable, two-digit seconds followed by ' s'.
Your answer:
5 h 41 min
